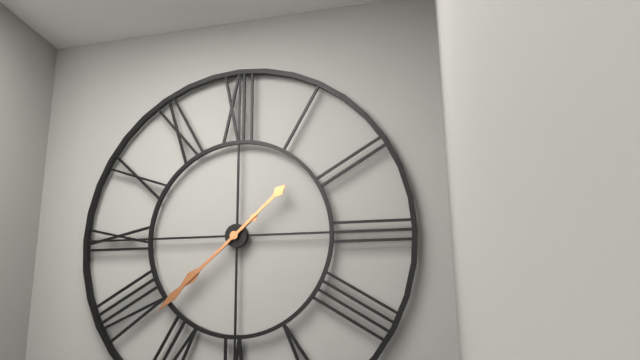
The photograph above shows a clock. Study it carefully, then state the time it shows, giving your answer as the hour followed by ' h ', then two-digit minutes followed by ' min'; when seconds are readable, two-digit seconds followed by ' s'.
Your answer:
7 h 38 min
